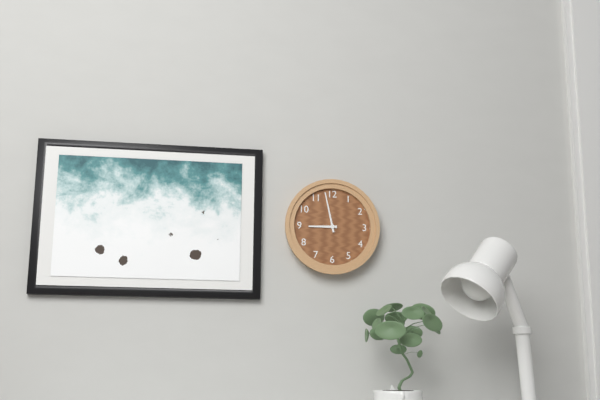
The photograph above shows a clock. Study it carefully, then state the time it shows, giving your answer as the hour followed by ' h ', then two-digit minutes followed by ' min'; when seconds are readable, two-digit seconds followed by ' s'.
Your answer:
8 h 58 min
